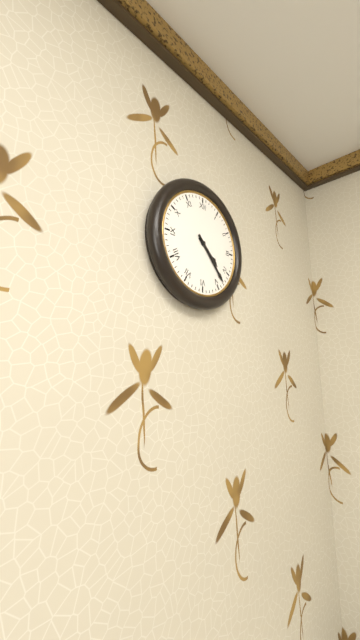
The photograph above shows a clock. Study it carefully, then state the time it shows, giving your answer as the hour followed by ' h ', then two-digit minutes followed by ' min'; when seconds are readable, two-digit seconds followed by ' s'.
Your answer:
4 h 23 min
